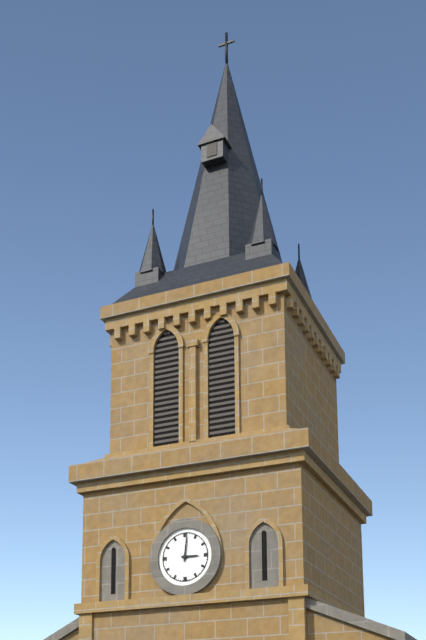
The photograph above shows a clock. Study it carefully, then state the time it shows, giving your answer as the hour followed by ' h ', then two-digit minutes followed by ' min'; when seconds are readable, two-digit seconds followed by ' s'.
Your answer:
3 h 01 min
